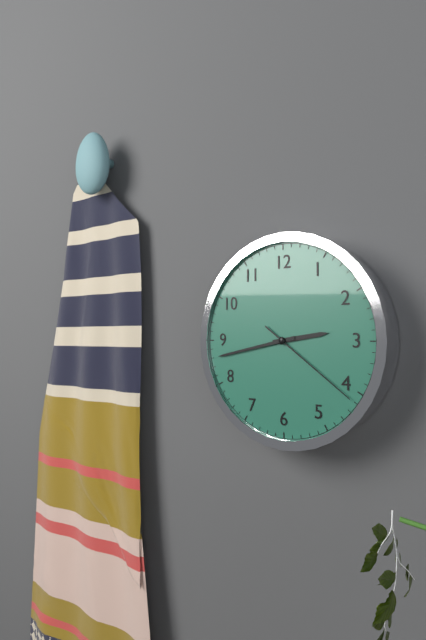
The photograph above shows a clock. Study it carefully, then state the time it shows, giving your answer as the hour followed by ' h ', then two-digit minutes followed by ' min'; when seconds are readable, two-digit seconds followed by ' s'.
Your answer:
2 h 43 min 21 s
